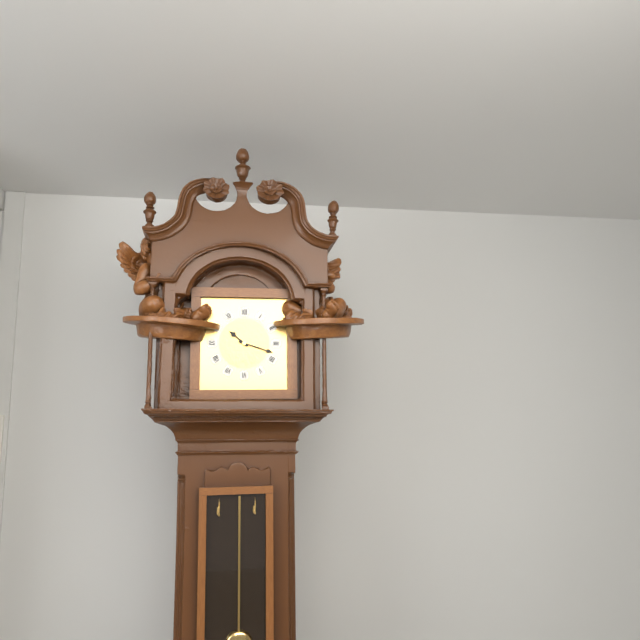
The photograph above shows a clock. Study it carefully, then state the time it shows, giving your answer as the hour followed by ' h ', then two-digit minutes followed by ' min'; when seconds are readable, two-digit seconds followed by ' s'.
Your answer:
10 h 18 min
